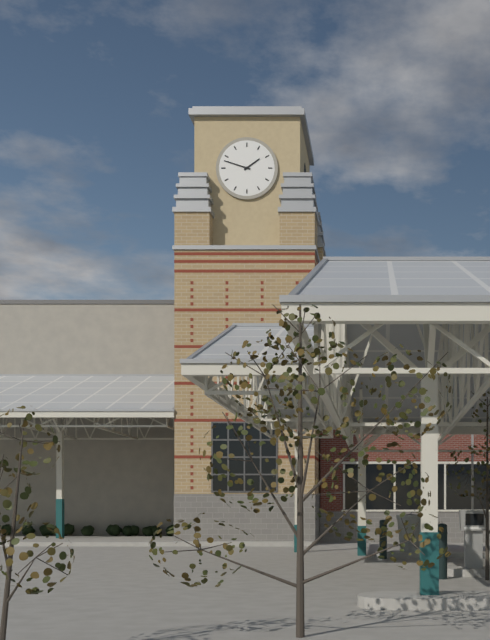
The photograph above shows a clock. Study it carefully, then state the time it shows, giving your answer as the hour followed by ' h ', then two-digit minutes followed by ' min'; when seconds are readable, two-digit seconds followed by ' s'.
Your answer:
1 h 48 min
